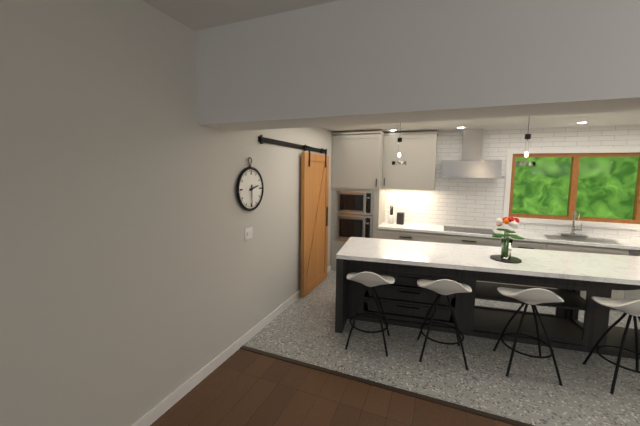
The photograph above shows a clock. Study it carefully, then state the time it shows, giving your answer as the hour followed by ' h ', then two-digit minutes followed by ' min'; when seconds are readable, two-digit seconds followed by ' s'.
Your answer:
2 h 30 min
